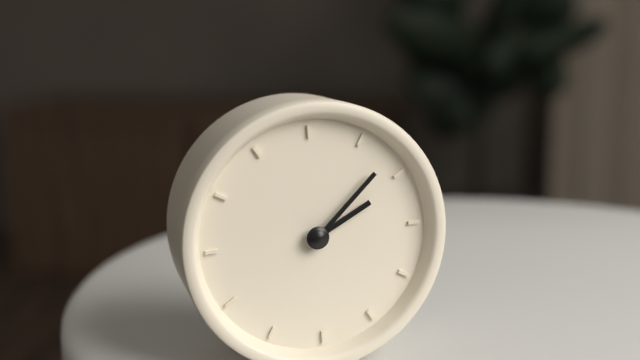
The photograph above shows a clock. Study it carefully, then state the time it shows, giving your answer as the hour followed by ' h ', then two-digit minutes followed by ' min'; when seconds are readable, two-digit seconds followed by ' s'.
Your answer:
2 h 08 min
